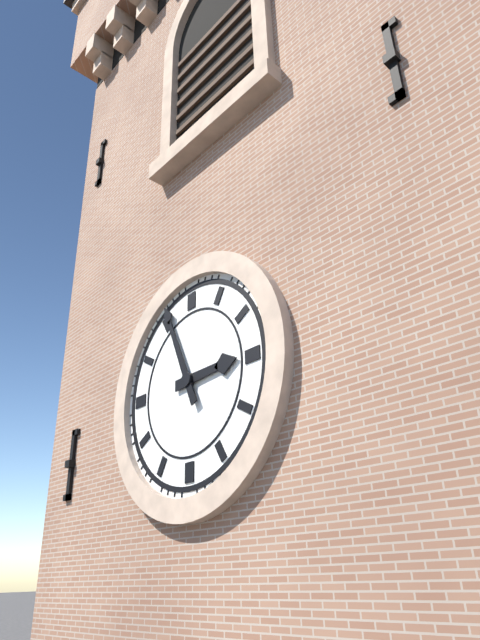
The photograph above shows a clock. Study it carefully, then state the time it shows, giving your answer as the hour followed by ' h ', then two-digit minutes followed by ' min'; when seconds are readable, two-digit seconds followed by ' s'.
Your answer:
2 h 56 min
